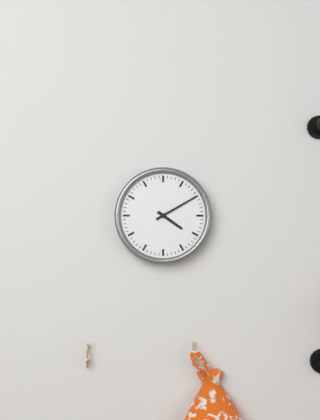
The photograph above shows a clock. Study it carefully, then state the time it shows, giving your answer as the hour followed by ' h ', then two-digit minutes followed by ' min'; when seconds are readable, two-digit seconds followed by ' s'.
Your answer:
4 h 10 min
